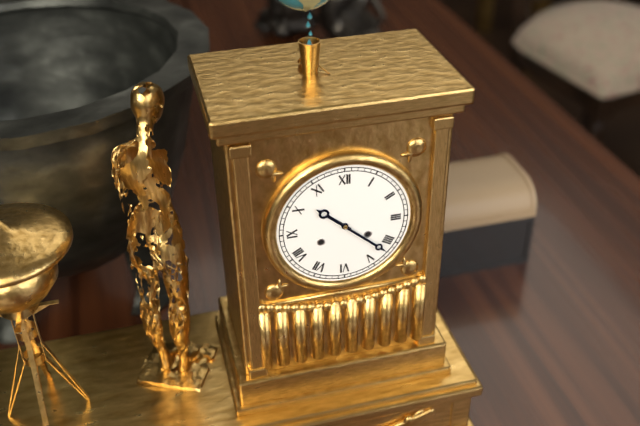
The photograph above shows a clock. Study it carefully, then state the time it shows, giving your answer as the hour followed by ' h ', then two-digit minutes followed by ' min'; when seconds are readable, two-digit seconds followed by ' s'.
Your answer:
10 h 22 min
